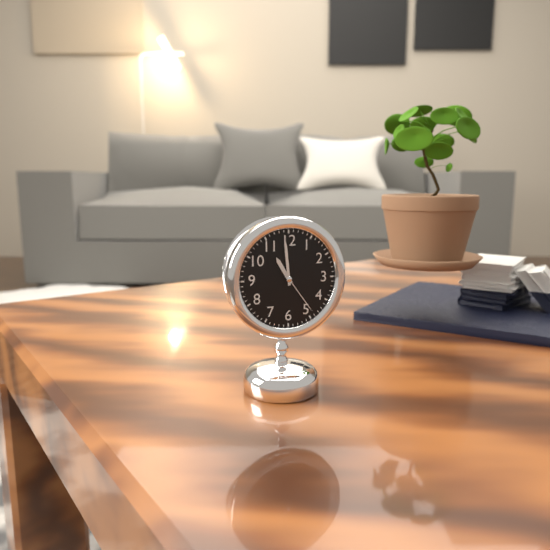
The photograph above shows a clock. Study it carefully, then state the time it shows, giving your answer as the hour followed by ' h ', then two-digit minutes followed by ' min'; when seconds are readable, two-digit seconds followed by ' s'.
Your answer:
10 h 59 min 24 s
